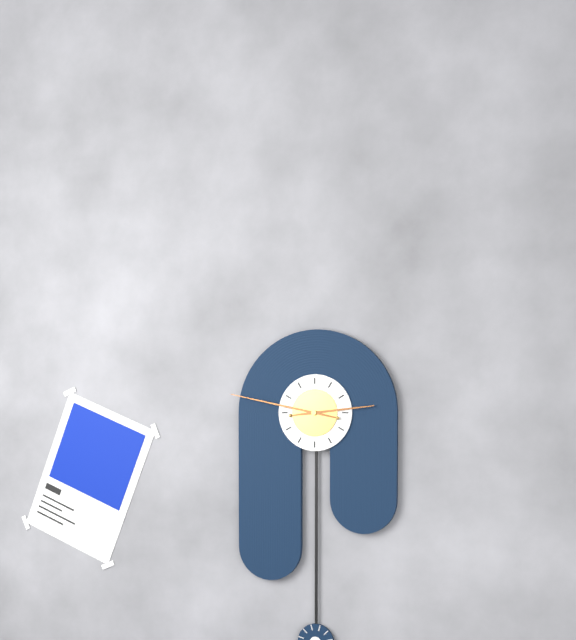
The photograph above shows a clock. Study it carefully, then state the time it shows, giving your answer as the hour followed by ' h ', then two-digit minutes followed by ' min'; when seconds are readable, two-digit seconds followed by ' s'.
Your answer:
2 h 47 min
